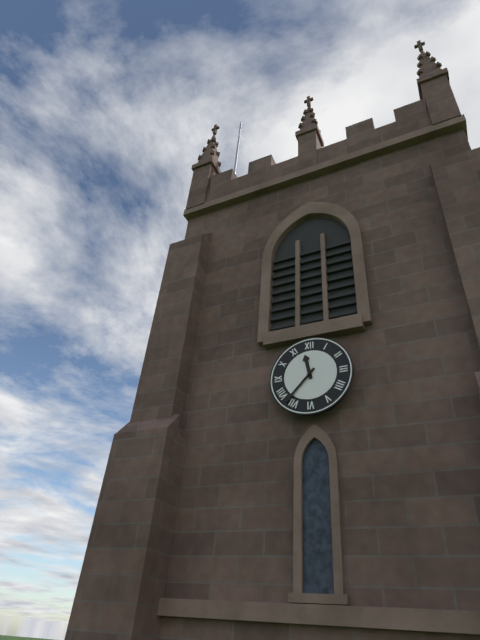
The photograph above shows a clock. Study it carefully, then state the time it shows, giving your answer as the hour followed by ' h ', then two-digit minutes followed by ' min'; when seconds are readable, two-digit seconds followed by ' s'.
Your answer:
11 h 37 min
